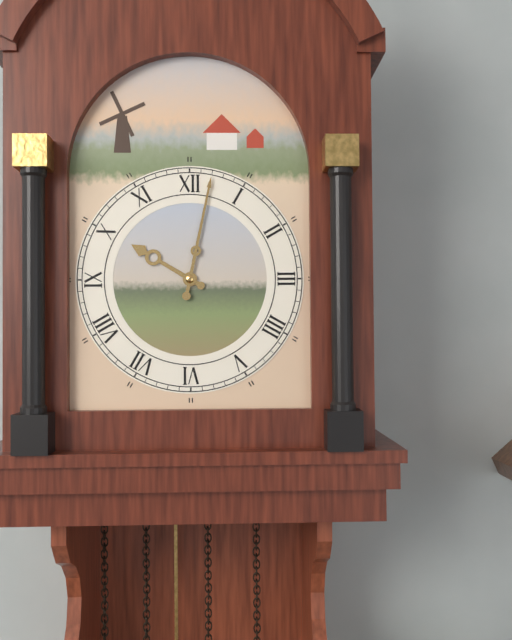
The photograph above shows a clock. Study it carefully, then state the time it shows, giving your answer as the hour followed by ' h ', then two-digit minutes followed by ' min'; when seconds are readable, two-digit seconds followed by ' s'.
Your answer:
10 h 02 min
